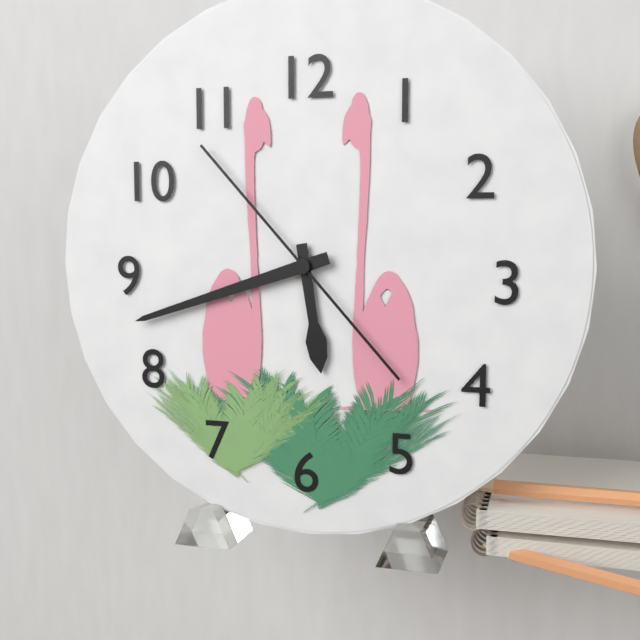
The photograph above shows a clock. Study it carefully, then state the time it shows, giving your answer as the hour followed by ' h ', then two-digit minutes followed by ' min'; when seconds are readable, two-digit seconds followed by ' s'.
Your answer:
5 h 42 min 53 s
